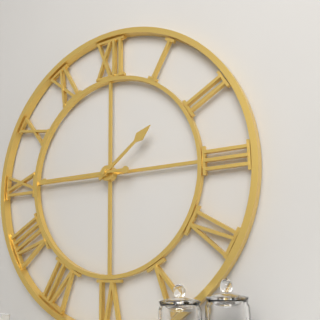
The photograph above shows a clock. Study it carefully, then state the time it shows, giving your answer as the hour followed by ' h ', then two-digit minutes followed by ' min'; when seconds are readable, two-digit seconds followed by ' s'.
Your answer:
1 h 45 min
